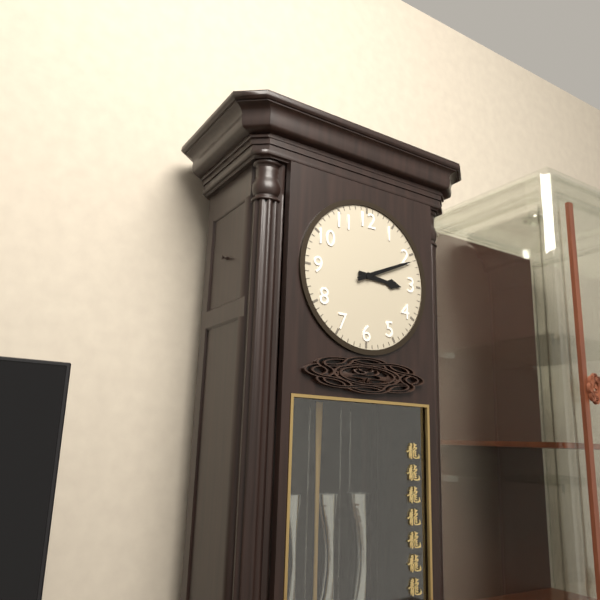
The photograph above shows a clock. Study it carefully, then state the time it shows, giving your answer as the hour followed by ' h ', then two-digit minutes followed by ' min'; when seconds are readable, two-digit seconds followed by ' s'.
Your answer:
3 h 11 min
